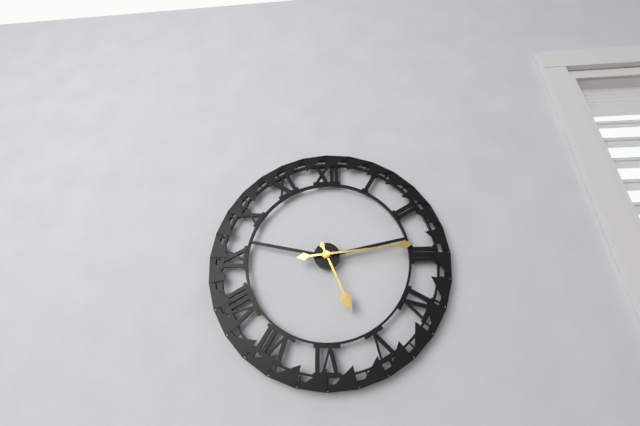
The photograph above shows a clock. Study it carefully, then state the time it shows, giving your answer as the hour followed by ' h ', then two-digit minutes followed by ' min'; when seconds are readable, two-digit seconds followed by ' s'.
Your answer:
5 h 14 min
